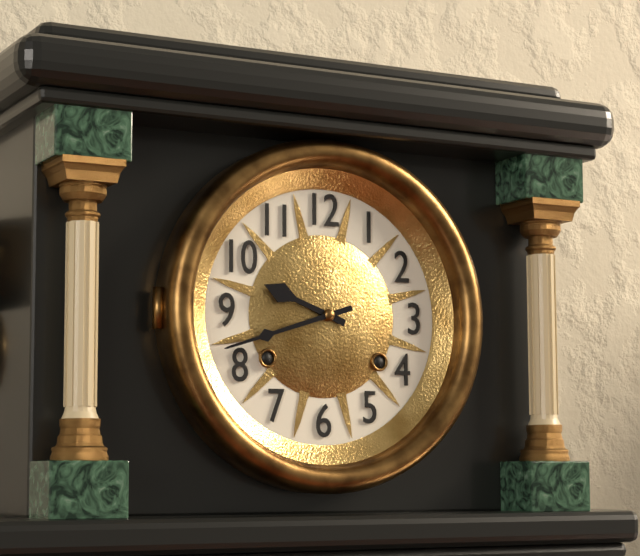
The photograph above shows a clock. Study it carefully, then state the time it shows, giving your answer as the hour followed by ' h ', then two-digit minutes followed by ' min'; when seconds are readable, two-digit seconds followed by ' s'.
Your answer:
9 h 42 min
